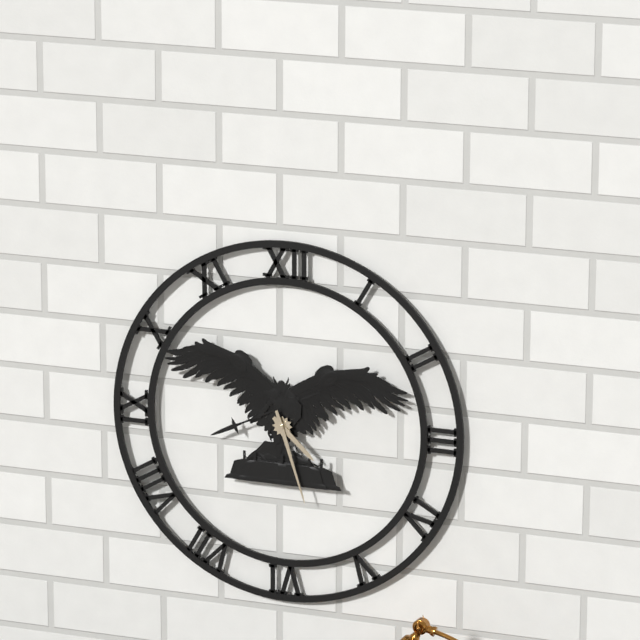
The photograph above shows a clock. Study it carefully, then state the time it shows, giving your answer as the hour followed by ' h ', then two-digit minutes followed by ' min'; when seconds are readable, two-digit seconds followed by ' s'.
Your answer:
4 h 27 min
